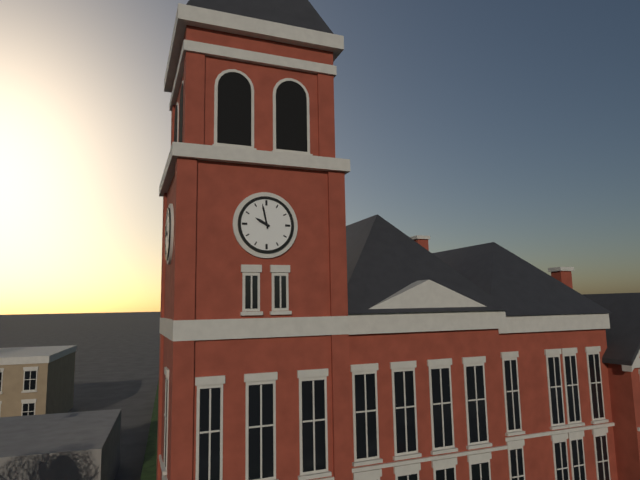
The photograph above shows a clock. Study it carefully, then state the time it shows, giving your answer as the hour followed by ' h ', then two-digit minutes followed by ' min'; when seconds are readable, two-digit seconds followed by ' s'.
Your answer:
9 h 58 min
